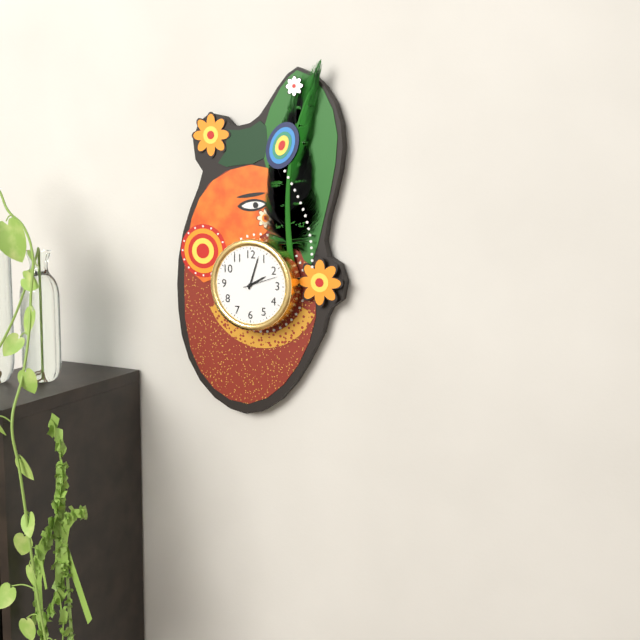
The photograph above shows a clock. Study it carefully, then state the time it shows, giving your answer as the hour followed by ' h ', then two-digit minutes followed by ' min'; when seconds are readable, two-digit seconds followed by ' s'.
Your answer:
2 h 03 min
